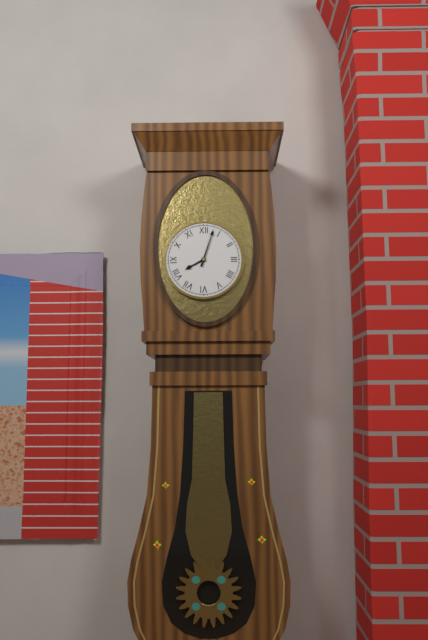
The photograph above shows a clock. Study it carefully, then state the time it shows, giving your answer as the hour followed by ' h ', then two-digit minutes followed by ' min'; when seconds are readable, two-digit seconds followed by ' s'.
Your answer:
8 h 03 min
